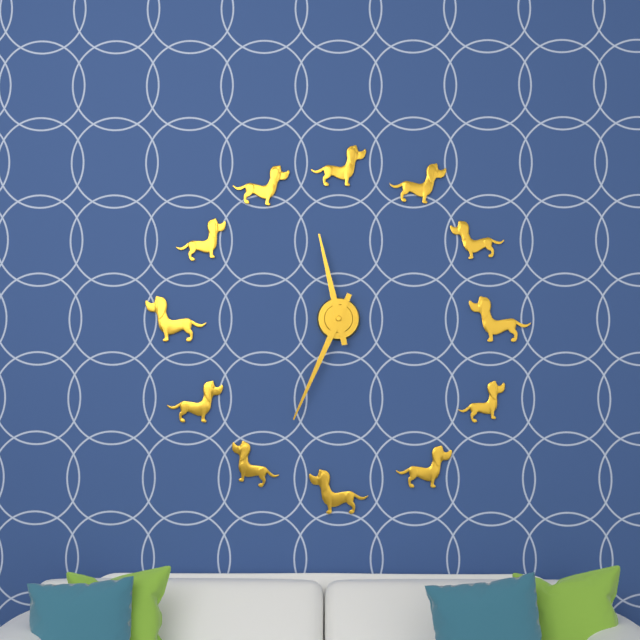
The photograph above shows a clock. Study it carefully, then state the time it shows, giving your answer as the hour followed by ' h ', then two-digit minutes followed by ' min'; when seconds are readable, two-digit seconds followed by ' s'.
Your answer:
11 h 34 min
